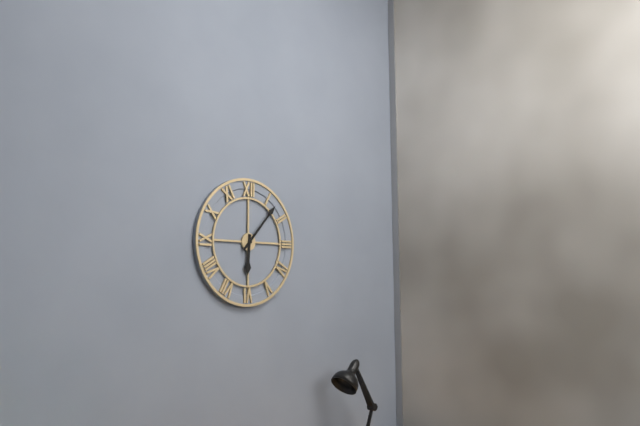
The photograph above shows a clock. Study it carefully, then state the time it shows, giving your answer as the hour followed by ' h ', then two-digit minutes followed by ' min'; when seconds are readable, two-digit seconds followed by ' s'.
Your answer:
6 h 07 min
